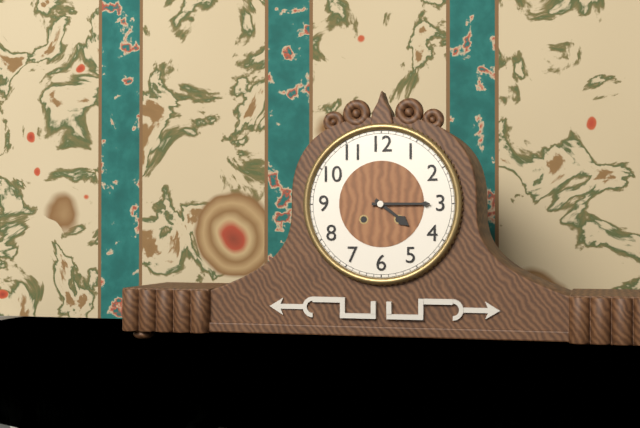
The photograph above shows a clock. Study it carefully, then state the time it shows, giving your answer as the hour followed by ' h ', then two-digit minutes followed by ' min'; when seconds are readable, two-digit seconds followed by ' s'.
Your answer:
4 h 15 min
